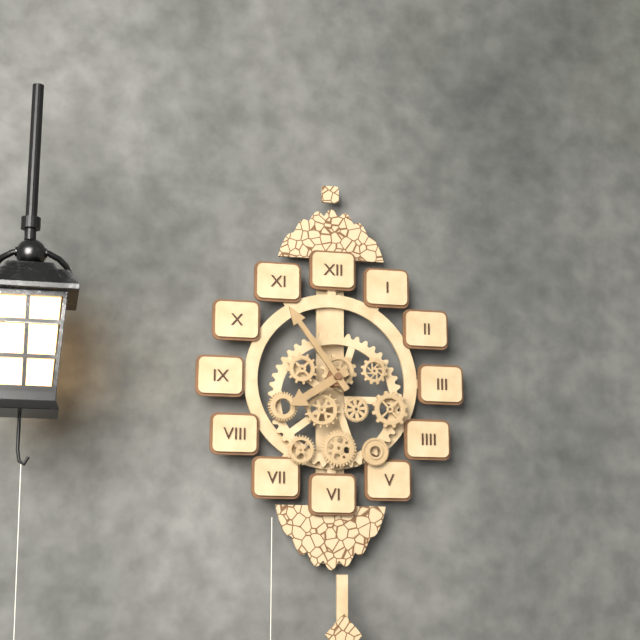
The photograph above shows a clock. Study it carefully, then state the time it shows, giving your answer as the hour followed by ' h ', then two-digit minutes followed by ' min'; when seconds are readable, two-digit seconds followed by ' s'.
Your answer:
7 h 54 min
